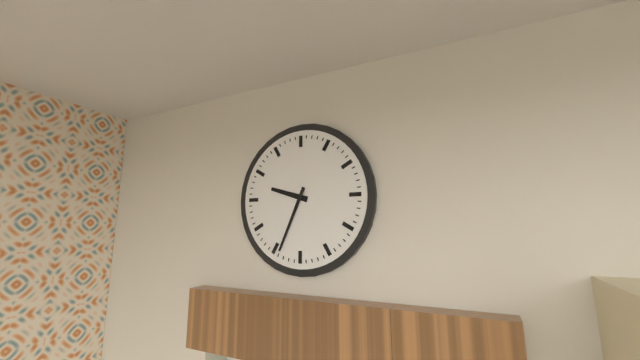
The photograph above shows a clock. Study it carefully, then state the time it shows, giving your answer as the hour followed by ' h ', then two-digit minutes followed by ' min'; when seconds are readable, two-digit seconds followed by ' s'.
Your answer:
9 h 34 min
